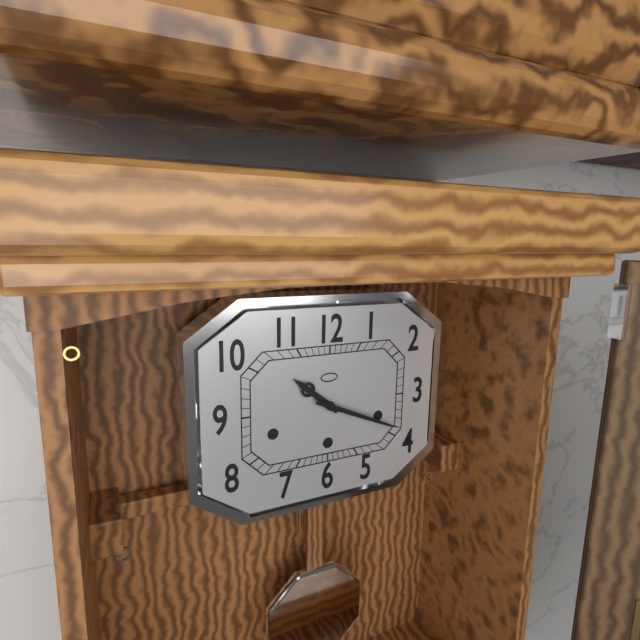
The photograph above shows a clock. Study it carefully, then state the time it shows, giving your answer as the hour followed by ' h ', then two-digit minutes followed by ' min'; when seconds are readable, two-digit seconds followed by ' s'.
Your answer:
10 h 19 min
